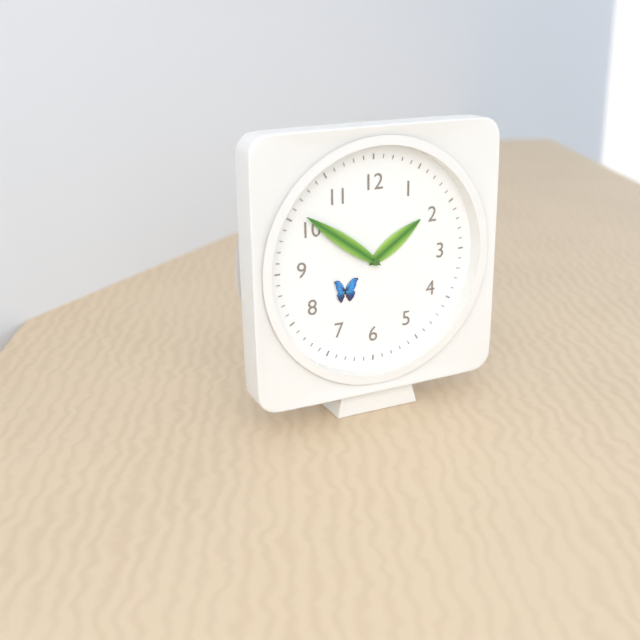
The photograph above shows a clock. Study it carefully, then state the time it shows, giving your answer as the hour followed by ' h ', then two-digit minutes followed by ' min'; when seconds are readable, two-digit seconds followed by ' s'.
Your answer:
1 h 51 min
